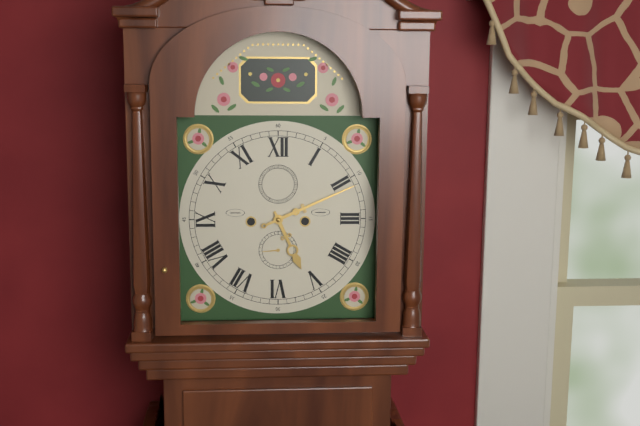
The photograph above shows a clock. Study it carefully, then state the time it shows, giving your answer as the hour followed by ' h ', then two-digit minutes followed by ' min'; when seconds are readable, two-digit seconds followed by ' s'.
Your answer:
5 h 11 min
